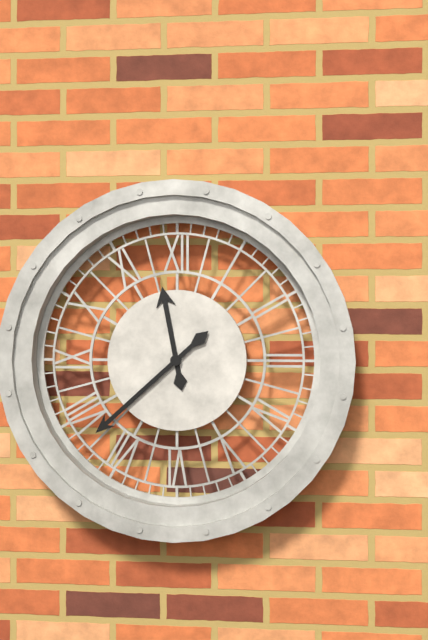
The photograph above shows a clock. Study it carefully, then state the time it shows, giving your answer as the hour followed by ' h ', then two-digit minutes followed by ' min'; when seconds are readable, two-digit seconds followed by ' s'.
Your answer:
11 h 38 min
